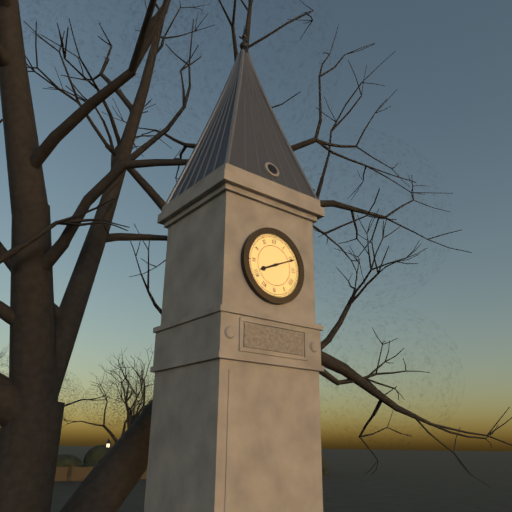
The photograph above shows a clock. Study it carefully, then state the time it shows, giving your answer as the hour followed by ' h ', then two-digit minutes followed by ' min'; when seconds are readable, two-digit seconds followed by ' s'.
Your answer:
8 h 11 min
